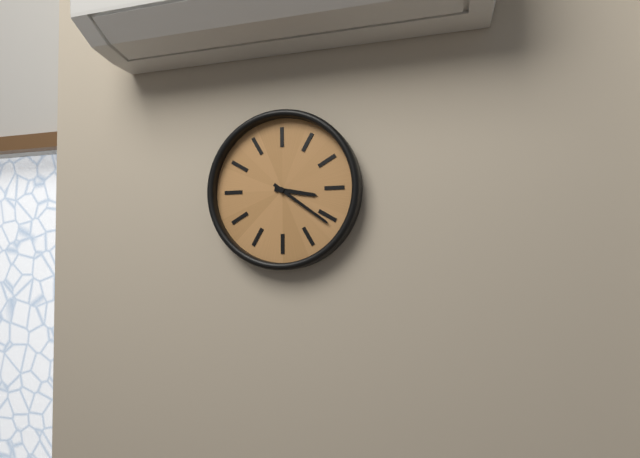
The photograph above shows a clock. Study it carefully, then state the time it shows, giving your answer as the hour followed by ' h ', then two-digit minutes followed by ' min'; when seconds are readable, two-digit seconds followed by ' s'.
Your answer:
3 h 21 min
